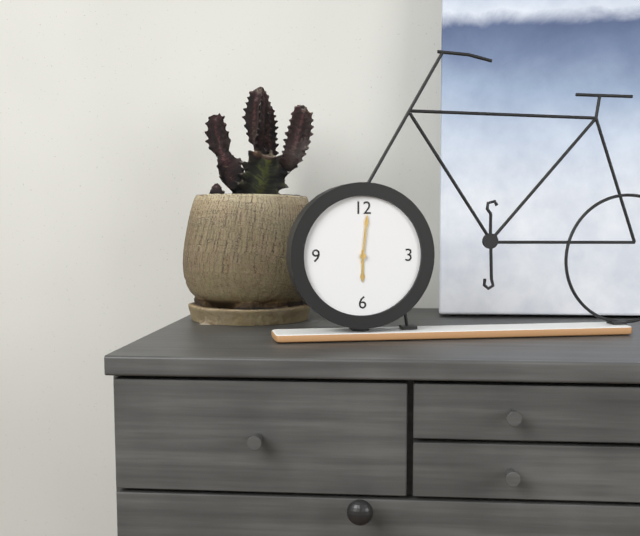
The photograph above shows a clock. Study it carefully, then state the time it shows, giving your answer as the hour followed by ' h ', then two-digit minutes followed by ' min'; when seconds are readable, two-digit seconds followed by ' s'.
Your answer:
6 h 01 min
